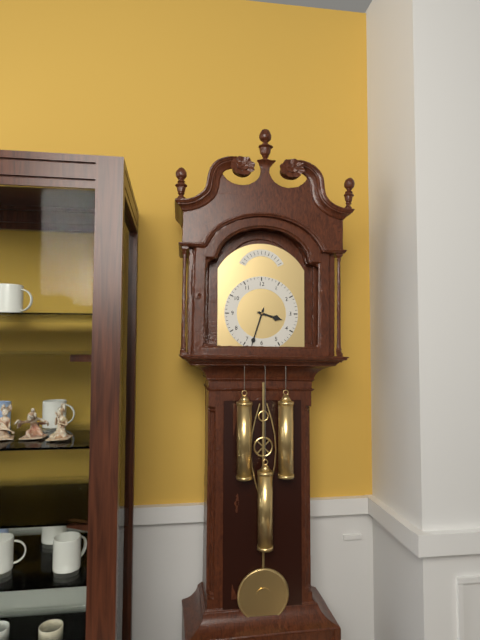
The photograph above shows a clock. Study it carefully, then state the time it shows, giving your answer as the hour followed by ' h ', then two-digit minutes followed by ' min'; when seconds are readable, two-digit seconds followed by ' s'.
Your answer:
3 h 33 min
